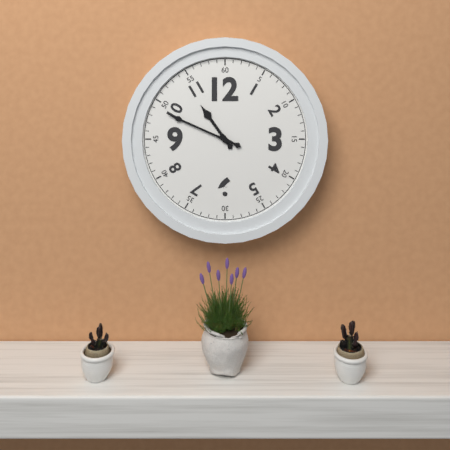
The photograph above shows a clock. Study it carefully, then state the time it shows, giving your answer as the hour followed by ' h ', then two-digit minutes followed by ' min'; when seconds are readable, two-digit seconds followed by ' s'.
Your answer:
10 h 49 min
